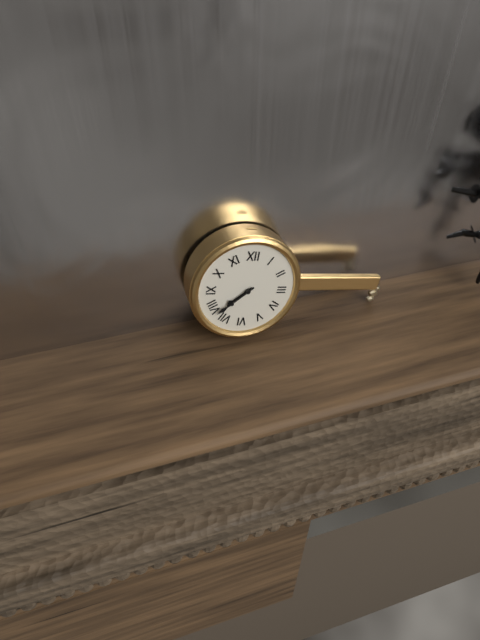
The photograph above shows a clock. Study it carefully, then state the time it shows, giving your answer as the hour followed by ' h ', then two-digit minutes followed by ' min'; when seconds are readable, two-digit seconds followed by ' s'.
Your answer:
7 h 38 min
